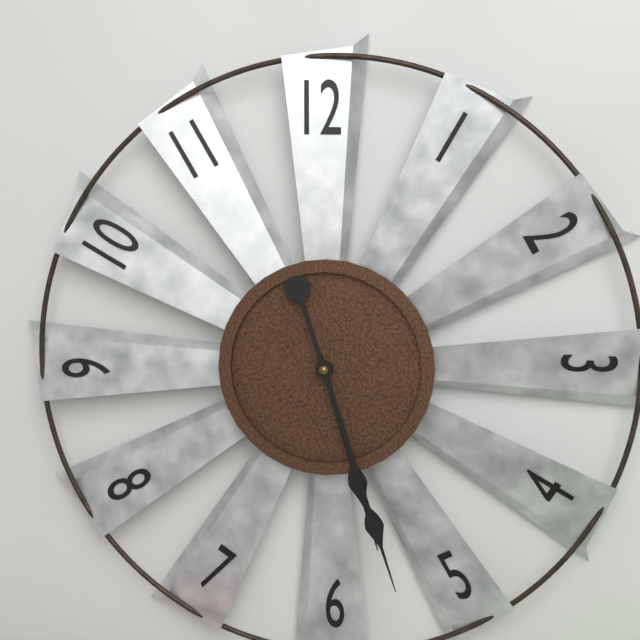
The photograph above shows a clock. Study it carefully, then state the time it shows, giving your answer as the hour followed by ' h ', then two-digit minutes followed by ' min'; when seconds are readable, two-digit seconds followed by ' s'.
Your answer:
5 h 27 min
